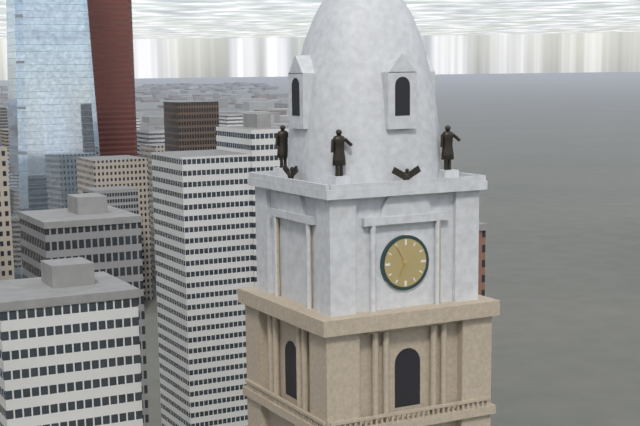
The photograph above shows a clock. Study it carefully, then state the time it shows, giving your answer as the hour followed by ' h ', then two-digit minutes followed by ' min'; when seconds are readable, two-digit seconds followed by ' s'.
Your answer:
6 h 55 min
